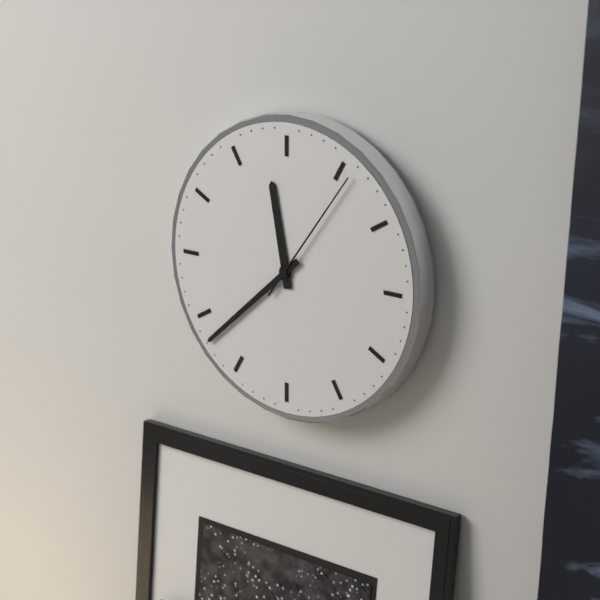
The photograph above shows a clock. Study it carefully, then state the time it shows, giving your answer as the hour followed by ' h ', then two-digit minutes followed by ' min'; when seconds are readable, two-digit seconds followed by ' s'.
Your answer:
11 h 38 min 06 s
